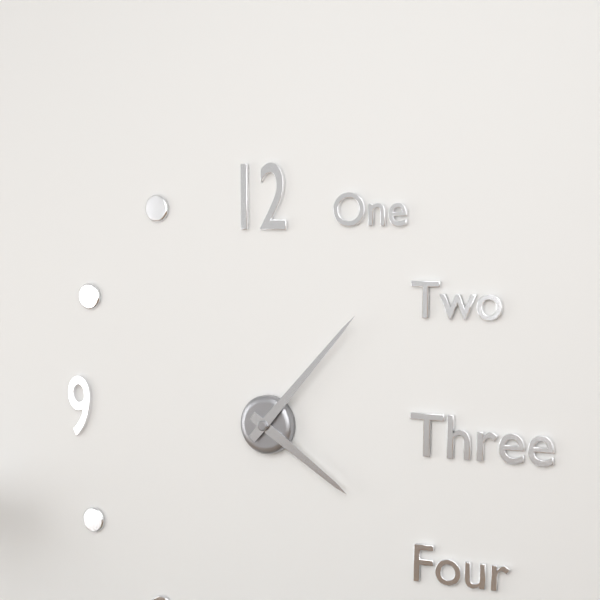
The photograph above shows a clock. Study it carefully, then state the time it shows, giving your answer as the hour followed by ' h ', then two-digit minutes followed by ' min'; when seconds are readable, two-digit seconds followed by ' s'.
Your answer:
4 h 07 min
